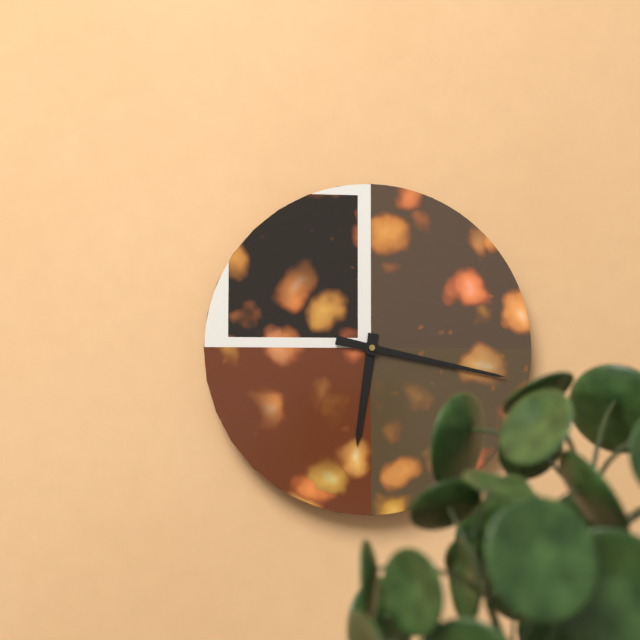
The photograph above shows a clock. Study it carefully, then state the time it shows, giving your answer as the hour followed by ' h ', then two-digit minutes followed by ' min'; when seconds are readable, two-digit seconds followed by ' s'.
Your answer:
6 h 17 min
